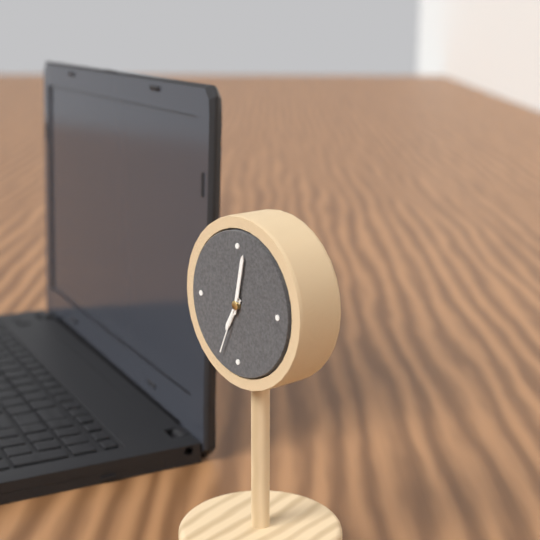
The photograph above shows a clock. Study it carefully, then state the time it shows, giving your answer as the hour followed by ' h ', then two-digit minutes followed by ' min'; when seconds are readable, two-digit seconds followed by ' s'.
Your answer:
7 h 02 min 34 s
